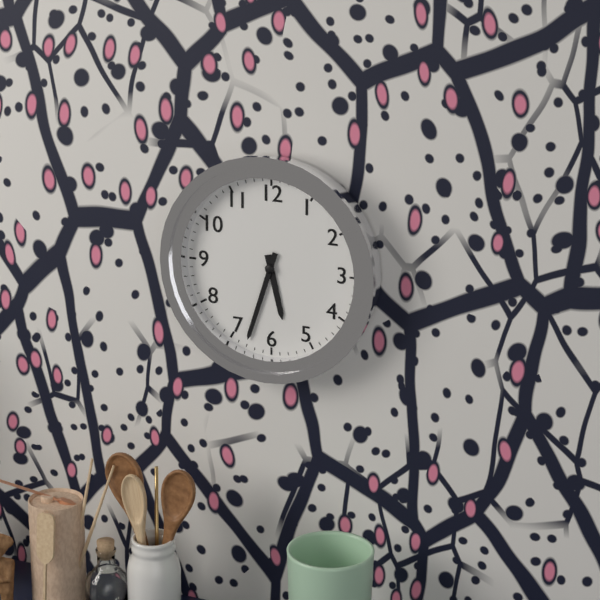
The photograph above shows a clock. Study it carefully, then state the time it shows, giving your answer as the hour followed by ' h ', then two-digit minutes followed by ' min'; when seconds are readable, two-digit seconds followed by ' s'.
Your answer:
5 h 33 min
